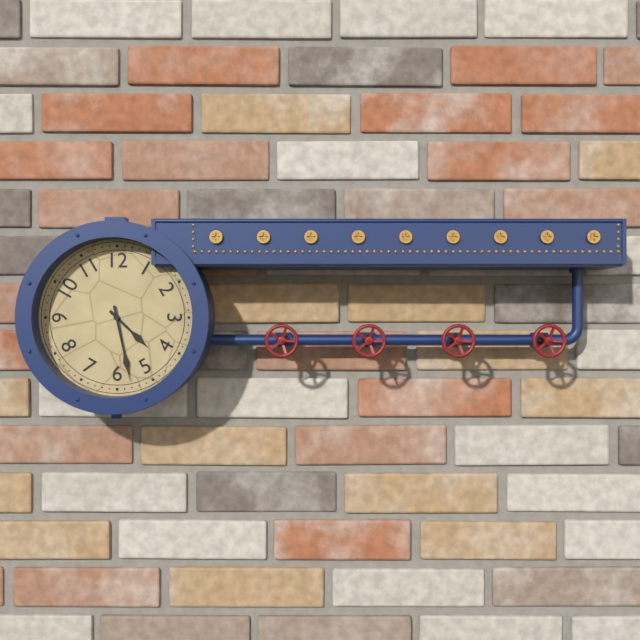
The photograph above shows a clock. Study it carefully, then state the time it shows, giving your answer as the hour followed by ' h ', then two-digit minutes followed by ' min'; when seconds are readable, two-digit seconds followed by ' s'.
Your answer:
4 h 28 min
